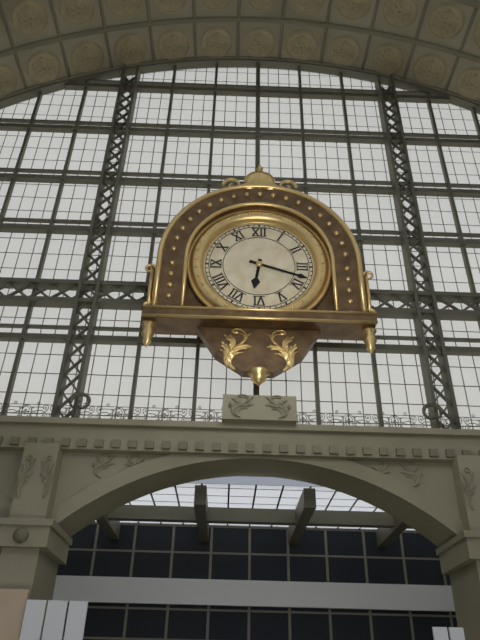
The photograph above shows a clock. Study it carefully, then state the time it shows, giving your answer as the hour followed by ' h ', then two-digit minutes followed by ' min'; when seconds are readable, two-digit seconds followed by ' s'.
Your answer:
6 h 18 min
